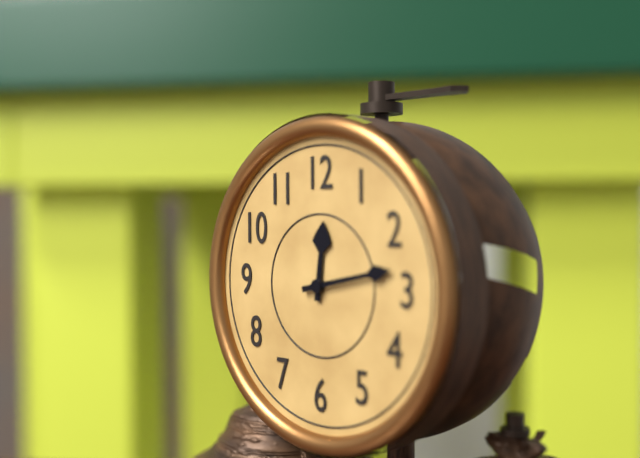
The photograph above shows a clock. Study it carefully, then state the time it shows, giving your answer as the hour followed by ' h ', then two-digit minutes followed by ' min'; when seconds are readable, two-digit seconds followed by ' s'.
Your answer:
12 h 13 min
